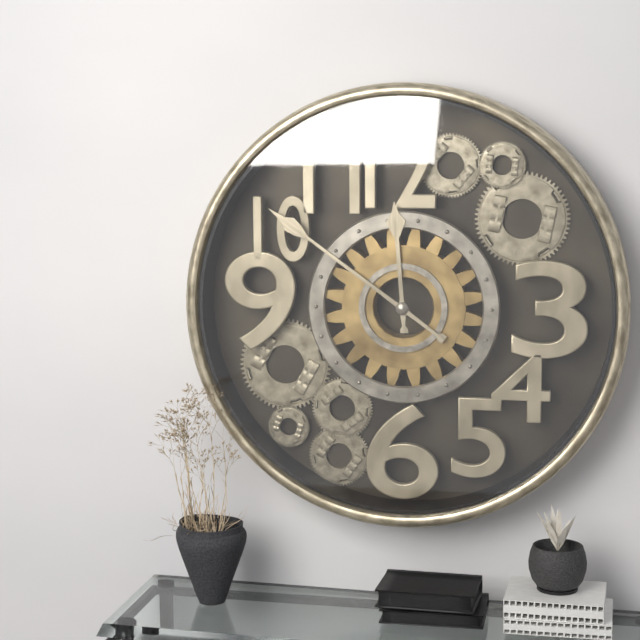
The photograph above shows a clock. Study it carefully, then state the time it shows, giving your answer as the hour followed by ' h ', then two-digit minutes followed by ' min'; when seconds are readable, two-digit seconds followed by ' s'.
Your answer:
11 h 51 min
